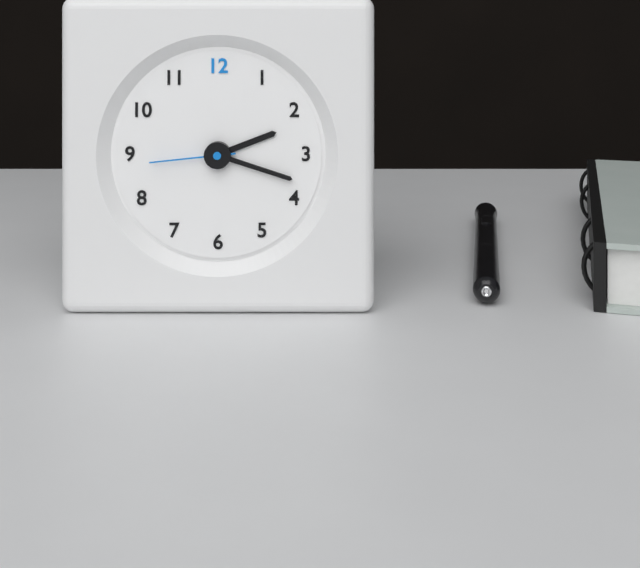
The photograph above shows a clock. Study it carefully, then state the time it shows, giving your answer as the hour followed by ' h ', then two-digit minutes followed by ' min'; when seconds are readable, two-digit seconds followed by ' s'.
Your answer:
2 h 18 min 44 s
